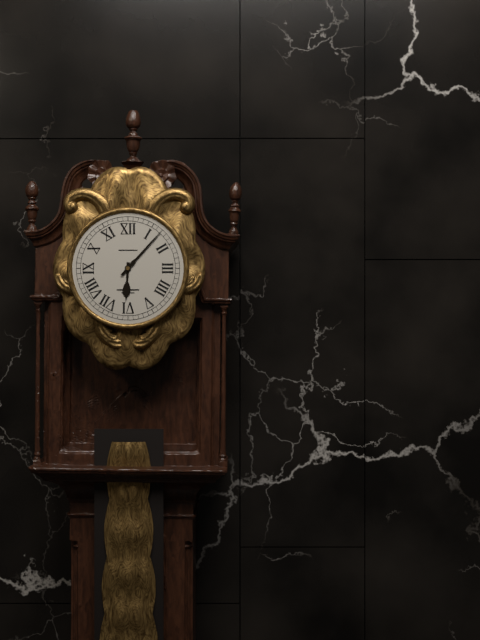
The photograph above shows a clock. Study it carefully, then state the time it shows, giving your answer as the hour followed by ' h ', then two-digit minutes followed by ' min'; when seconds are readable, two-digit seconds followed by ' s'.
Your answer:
6 h 07 min
